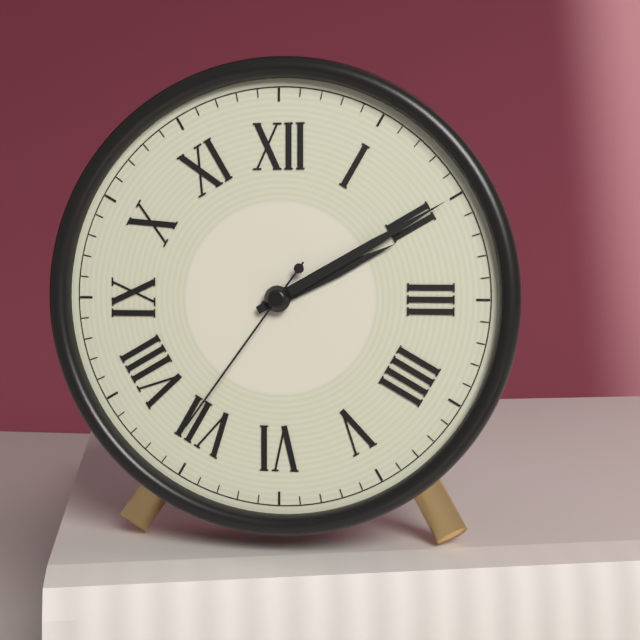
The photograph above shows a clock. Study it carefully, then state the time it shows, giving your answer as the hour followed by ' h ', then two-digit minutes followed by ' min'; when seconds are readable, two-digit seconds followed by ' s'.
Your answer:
2 h 10 min 36 s
